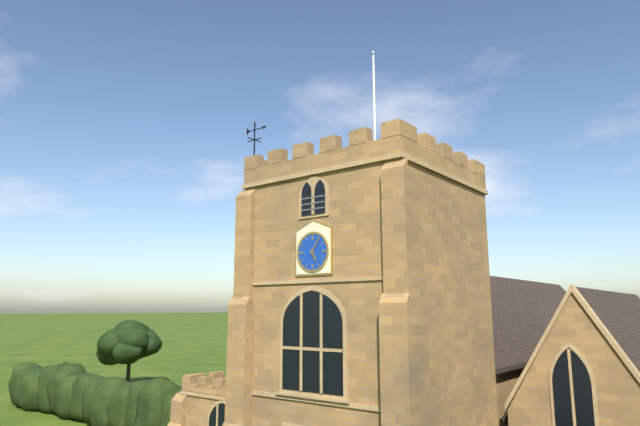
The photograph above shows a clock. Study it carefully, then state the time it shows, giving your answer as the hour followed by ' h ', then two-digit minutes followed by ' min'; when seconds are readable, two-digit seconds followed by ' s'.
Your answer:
5 h 06 min
